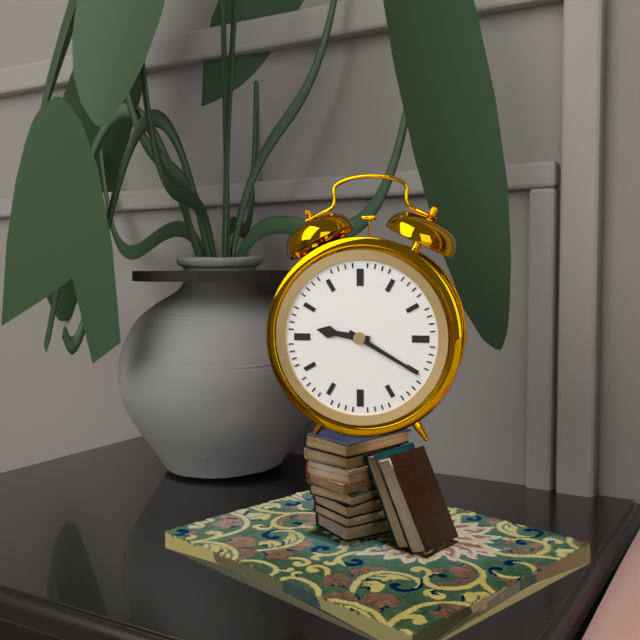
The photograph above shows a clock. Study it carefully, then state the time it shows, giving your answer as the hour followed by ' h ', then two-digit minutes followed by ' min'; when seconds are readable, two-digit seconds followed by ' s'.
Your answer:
9 h 20 min
